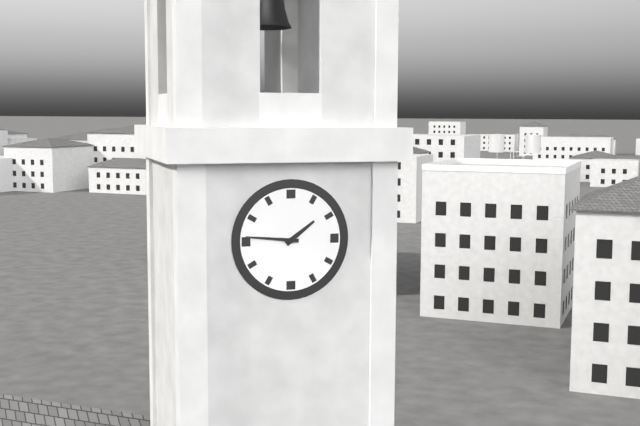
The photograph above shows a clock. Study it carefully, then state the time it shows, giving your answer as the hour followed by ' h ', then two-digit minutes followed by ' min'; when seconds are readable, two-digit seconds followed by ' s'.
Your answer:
1 h 46 min
